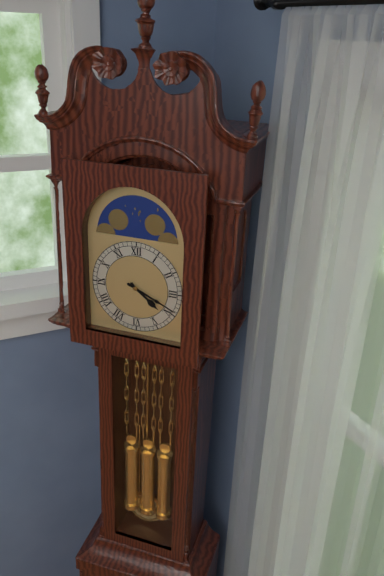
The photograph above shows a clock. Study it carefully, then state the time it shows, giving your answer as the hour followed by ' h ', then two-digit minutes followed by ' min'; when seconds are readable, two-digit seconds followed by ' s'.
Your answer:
4 h 19 min
